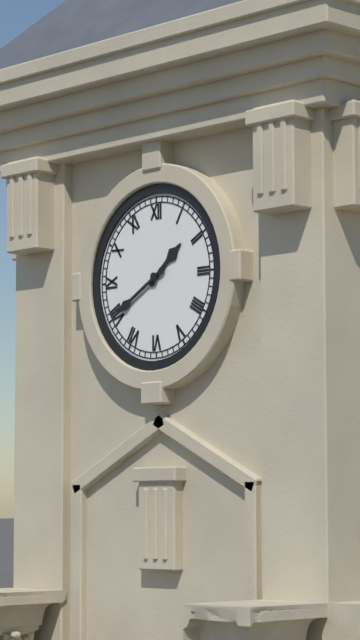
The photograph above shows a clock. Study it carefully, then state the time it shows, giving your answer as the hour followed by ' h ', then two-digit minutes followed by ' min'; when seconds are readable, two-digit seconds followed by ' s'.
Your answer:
1 h 40 min
